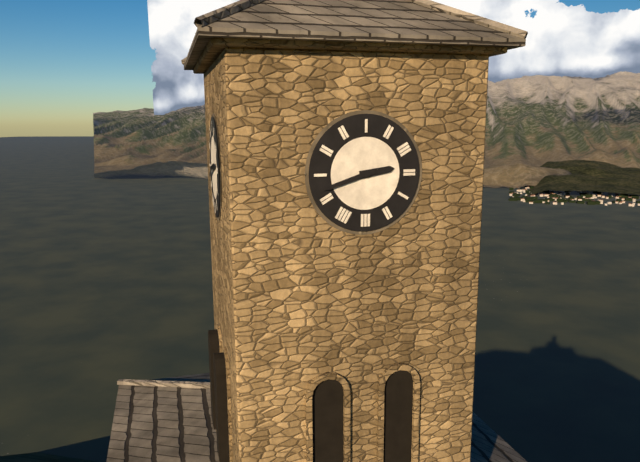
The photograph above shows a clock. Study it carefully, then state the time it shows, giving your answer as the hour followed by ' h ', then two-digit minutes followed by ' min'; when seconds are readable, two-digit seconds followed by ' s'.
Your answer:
2 h 42 min
